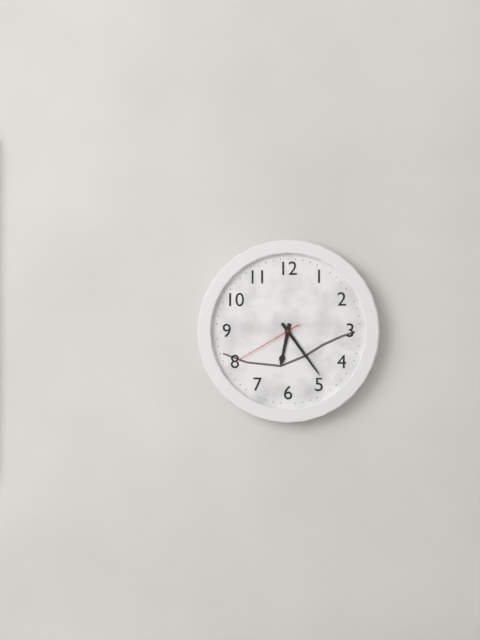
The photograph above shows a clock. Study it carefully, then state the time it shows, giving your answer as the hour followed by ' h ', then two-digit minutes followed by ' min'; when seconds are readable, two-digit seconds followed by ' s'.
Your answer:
6 h 24 min 40 s
